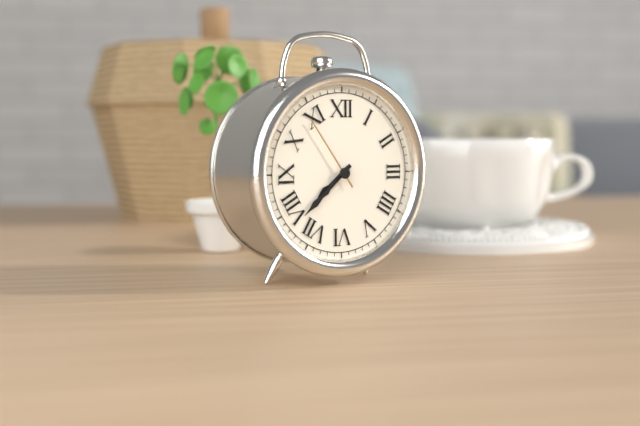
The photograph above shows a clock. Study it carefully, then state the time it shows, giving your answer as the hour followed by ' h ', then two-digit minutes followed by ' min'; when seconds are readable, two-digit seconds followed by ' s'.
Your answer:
7 h 38 min 54 s
